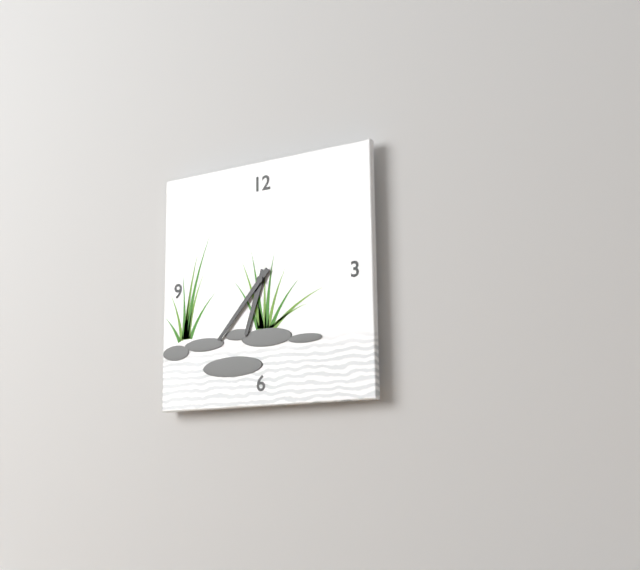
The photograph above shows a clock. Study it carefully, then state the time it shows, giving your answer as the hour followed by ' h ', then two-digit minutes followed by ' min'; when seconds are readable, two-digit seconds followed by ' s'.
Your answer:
6 h 37 min
